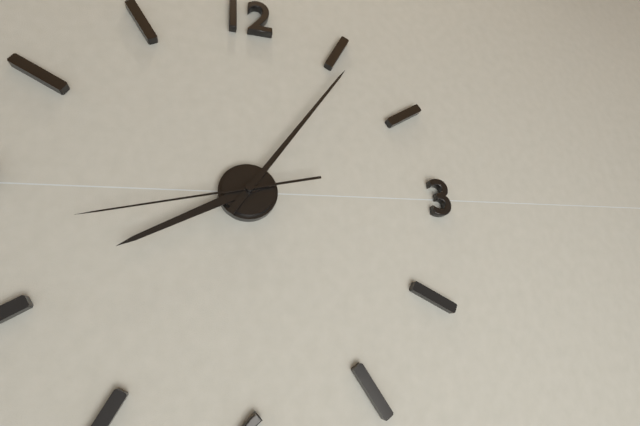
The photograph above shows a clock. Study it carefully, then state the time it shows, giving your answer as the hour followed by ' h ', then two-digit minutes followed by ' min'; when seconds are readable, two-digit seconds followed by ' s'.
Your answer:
8 h 06 min 43 s
